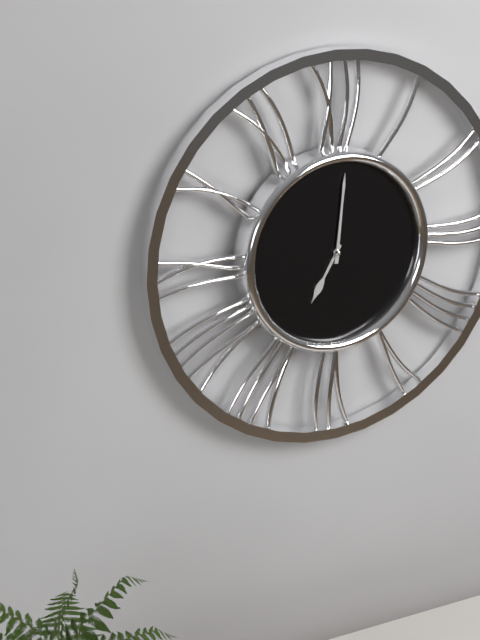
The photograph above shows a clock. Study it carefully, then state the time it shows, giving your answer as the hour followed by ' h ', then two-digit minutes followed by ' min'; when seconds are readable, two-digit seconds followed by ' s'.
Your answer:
7 h 01 min
